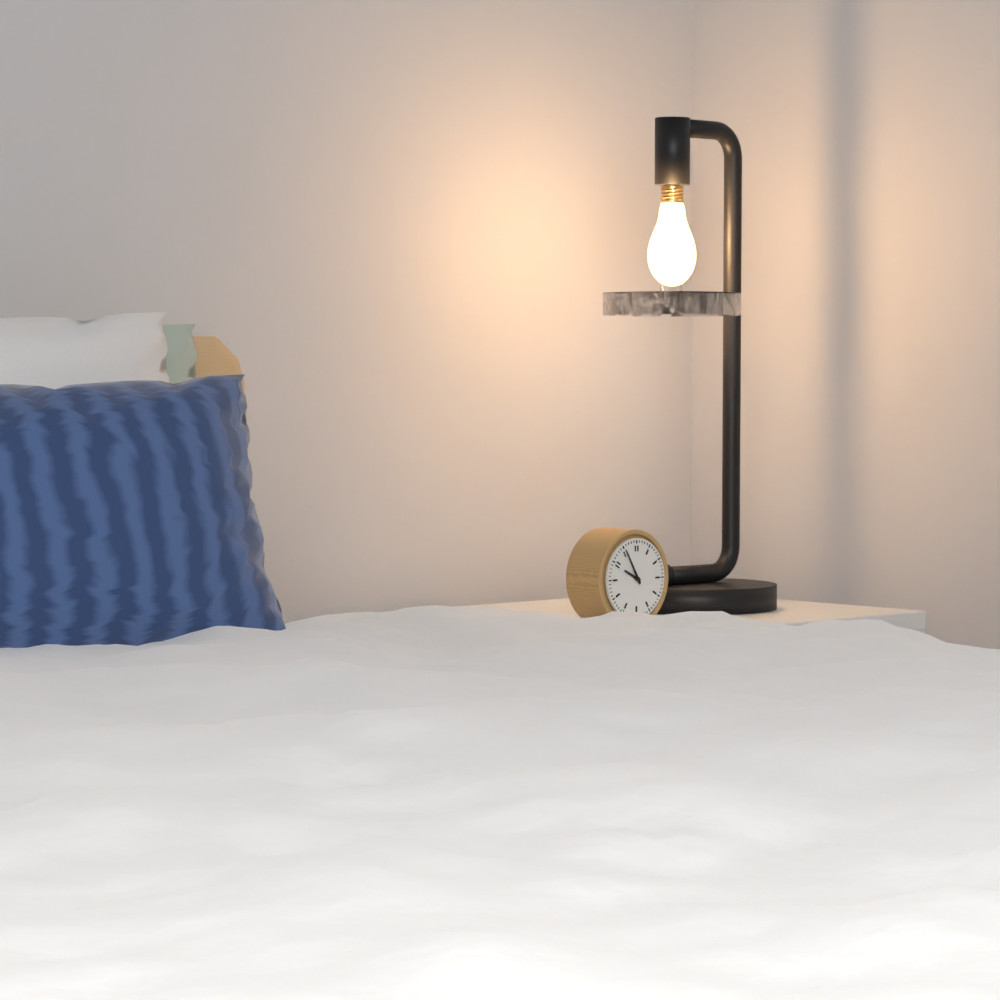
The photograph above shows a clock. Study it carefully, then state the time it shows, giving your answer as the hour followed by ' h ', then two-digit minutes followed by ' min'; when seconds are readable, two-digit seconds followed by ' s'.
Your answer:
9 h 55 min
